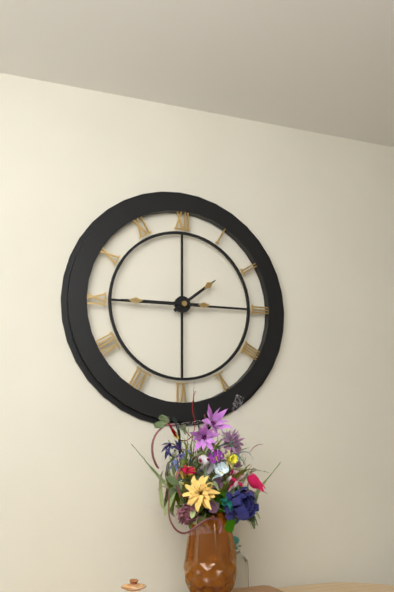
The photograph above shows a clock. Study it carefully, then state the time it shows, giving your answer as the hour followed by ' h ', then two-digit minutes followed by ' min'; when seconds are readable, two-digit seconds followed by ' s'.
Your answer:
1 h 45 min
